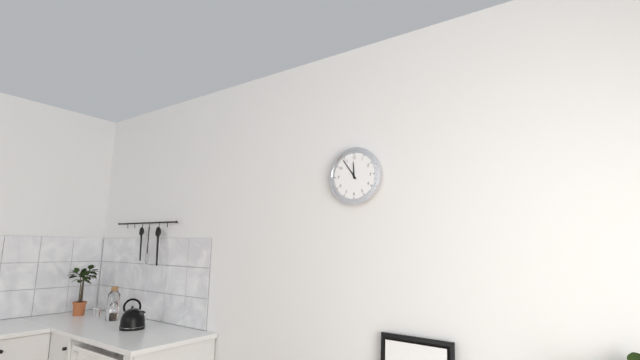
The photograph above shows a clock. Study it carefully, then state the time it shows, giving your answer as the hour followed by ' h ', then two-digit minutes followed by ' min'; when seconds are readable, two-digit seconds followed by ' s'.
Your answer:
11 h 54 min
